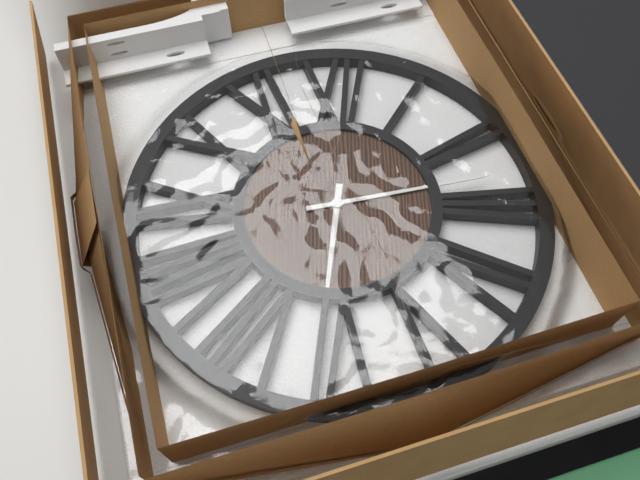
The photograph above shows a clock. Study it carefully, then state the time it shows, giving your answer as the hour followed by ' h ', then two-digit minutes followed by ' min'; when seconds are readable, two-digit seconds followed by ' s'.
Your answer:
6 h 13 min
